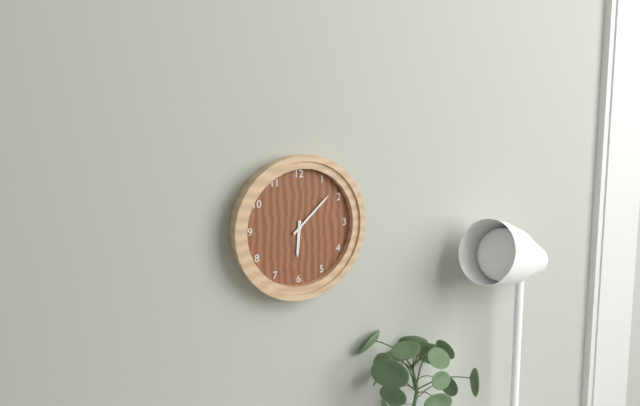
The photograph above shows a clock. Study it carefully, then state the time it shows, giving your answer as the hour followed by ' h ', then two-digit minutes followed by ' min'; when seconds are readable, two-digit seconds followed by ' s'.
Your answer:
6 h 08 min
